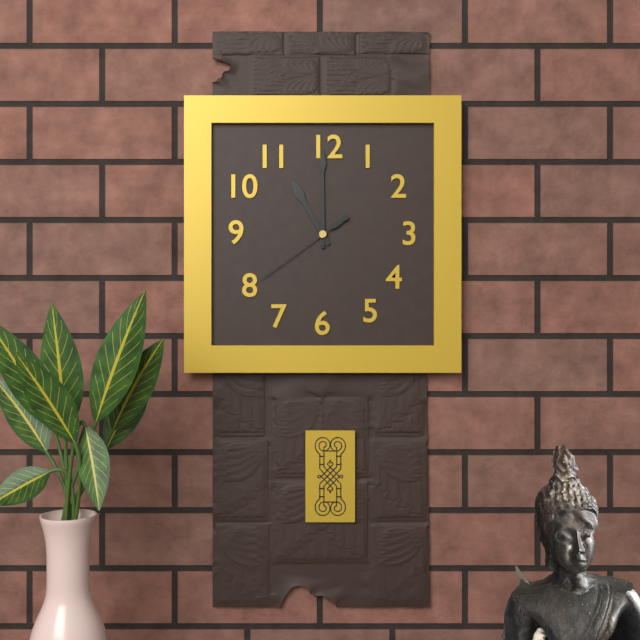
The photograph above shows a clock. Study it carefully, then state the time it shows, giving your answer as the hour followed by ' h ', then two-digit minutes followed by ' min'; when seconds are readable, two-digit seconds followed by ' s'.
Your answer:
11 h 00 min 39 s
